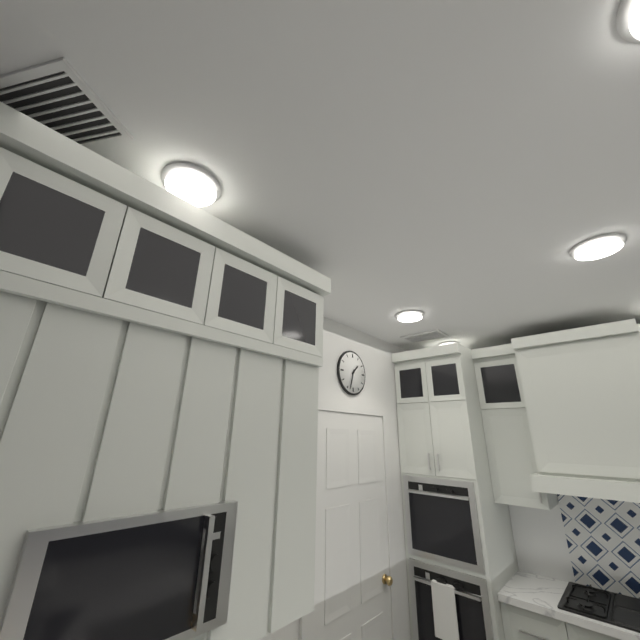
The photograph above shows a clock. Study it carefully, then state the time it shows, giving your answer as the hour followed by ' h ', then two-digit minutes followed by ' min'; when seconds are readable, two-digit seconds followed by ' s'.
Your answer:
1 h 33 min
